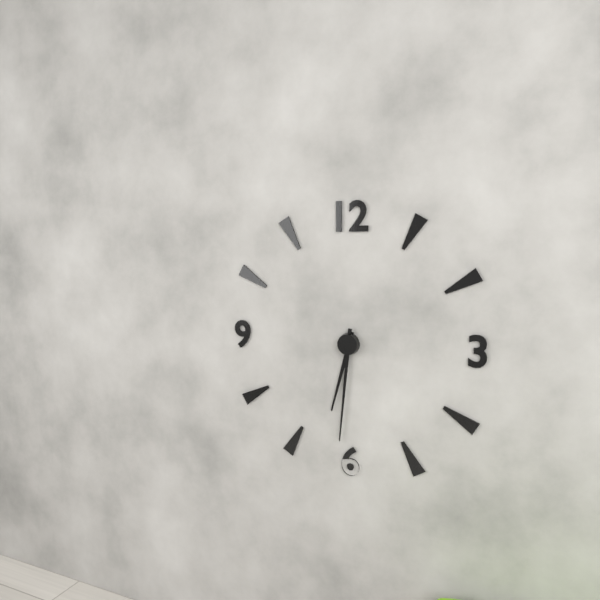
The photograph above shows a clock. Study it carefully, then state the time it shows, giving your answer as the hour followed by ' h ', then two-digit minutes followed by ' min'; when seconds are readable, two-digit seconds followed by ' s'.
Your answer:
6 h 31 min
